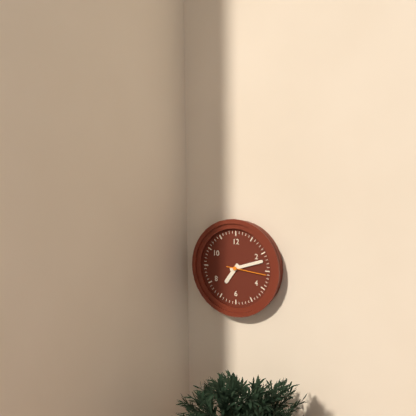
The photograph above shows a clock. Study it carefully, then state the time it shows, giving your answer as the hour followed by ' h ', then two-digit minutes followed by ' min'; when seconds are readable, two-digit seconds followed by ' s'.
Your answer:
7 h 12 min
